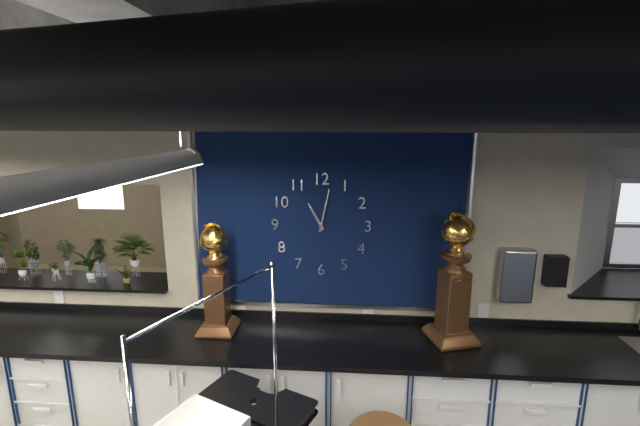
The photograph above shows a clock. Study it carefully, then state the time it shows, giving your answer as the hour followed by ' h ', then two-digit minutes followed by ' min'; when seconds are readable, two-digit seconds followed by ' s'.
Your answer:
11 h 02 min
